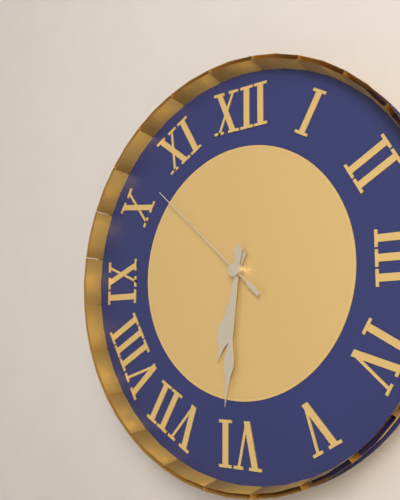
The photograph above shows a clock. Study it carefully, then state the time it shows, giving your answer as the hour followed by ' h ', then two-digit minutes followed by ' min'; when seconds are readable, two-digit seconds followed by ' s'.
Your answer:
6 h 31 min 52 s
